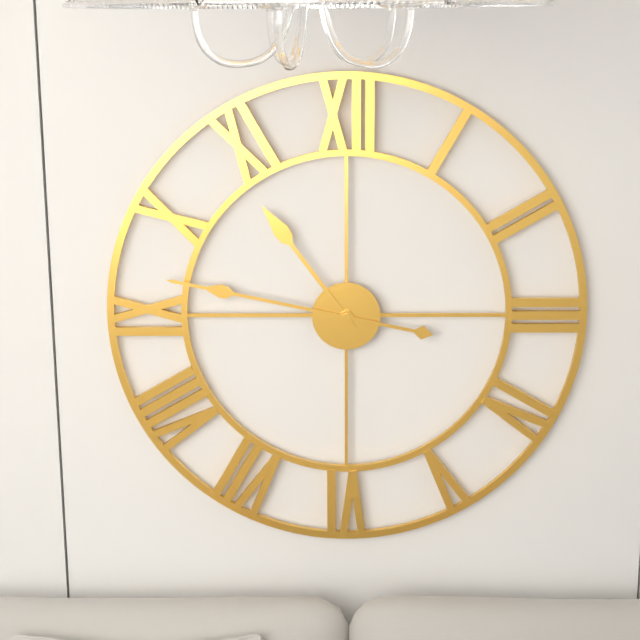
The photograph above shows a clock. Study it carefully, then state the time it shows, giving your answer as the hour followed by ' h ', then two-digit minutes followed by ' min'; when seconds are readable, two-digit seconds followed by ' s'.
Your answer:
10 h 47 min
